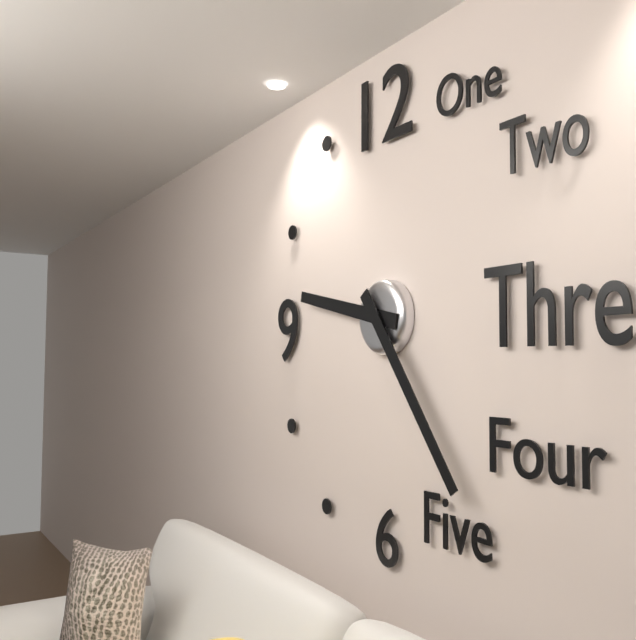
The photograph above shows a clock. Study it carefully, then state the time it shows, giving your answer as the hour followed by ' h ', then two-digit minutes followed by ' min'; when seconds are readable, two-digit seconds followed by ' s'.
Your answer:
9 h 24 min
